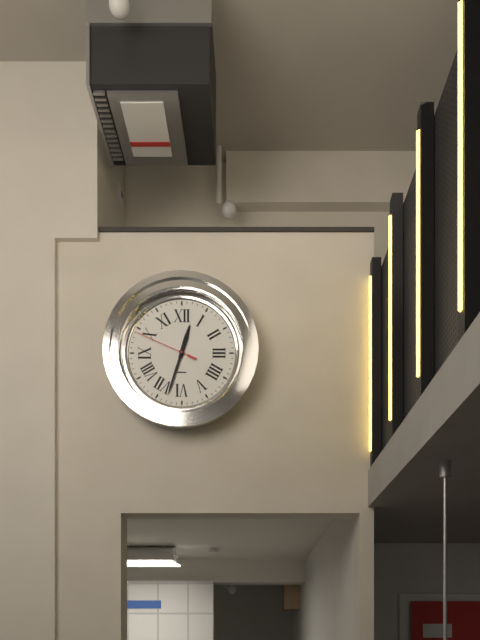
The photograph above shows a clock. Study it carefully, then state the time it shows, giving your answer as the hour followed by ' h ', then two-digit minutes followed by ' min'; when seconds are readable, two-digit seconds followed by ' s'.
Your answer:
12 h 33 min 49 s
